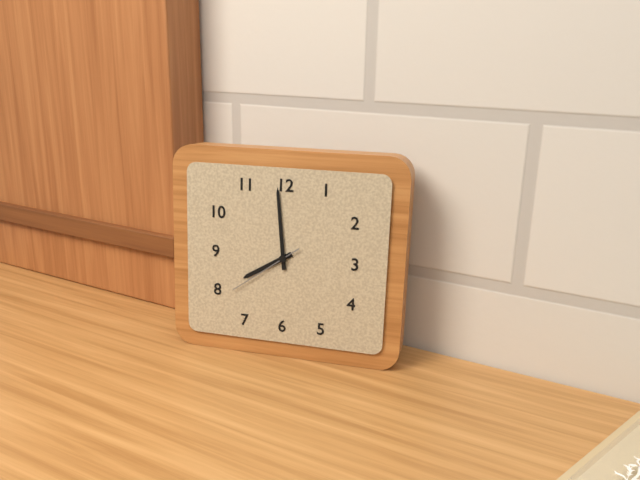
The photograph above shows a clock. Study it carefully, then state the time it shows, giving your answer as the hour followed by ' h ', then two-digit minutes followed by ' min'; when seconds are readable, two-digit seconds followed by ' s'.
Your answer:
7 h 59 min 39 s
